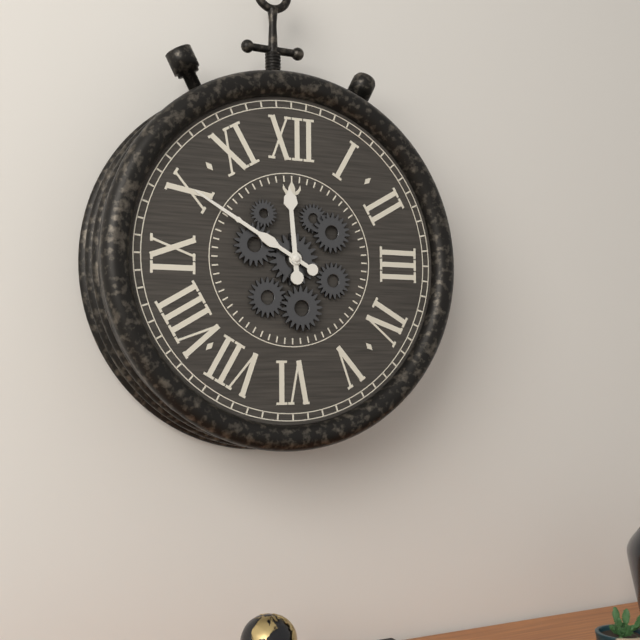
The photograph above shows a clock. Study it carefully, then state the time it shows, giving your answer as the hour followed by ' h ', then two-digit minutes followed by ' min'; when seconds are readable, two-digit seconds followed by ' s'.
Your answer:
11 h 50 min
